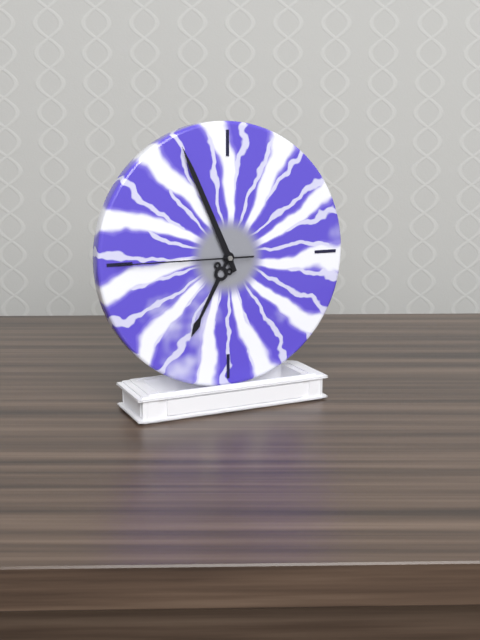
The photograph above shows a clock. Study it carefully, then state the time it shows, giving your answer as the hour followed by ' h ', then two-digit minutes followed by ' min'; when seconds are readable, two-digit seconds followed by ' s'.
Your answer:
6 h 56 min 45 s
